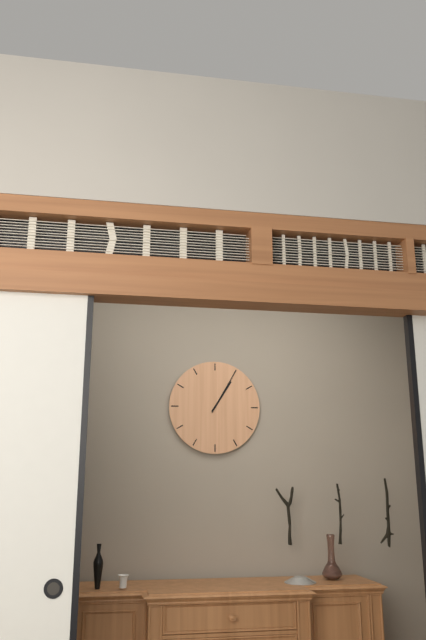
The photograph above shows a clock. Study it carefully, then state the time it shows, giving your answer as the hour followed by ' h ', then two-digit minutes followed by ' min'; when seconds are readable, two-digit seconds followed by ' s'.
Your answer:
1 h 05 min
